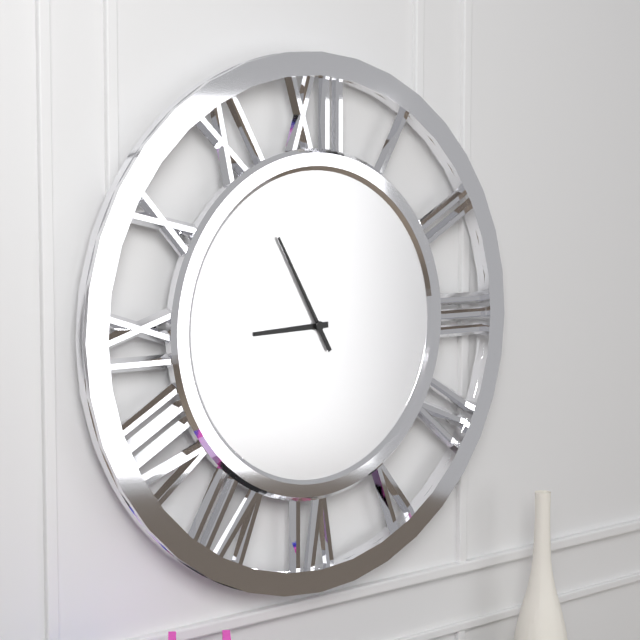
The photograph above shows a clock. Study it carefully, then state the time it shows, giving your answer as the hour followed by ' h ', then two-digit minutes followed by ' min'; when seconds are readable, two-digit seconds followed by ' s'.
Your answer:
8 h 55 min
